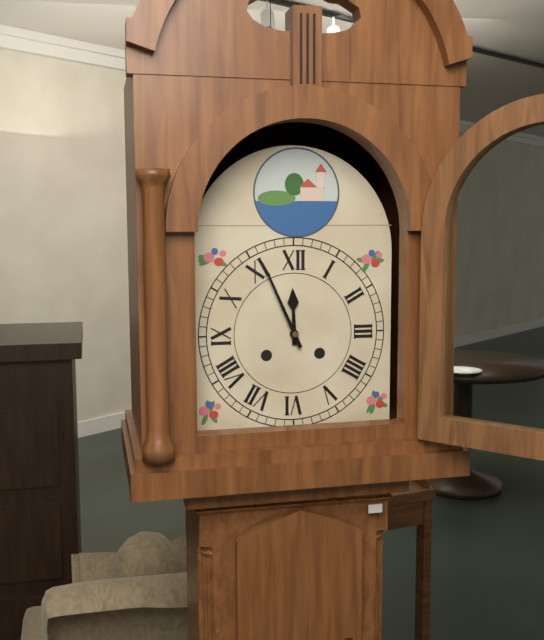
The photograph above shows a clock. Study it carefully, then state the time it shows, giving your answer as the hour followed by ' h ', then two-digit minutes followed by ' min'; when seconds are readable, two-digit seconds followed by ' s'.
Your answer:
11 h 56 min
